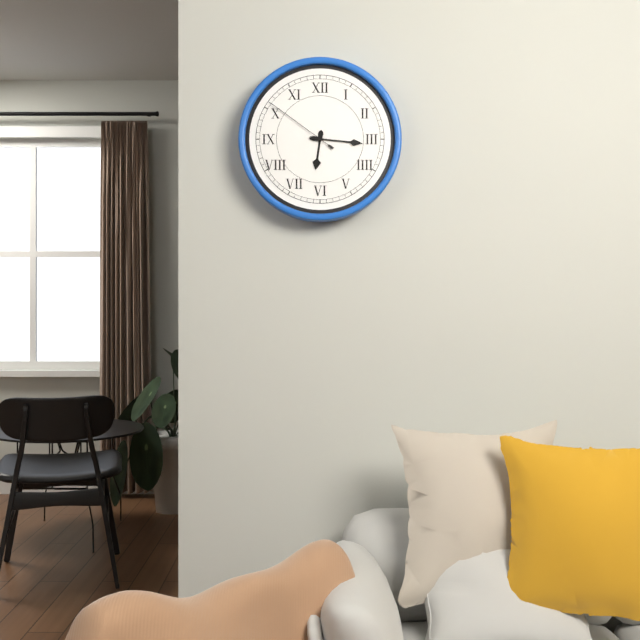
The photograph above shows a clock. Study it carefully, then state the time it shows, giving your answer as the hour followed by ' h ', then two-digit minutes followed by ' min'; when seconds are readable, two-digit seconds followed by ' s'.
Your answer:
6 h 16 min 51 s
